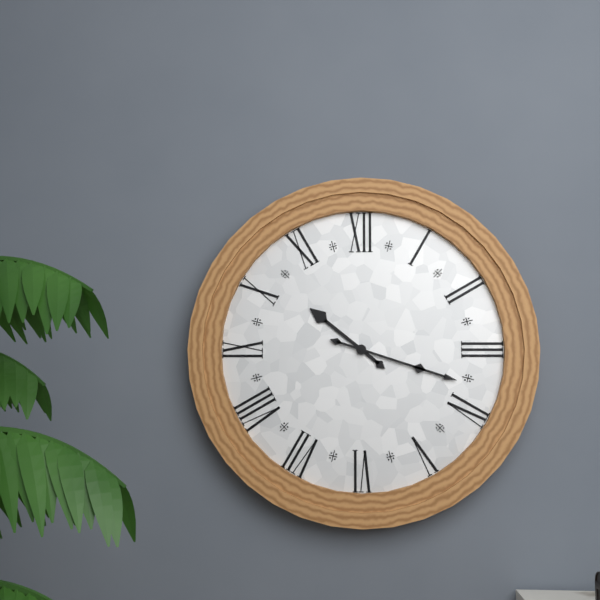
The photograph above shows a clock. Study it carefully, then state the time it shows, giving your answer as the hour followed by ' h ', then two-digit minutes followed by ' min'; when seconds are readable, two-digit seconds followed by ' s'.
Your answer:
10 h 18 min
